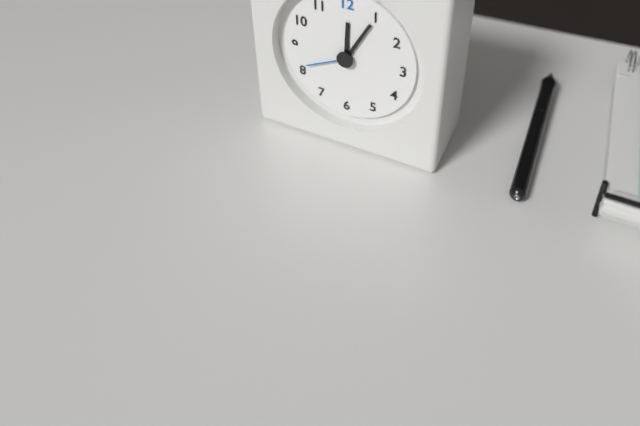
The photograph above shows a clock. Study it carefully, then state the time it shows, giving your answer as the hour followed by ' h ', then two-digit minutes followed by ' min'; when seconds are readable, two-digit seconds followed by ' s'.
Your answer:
12 h 05 min
